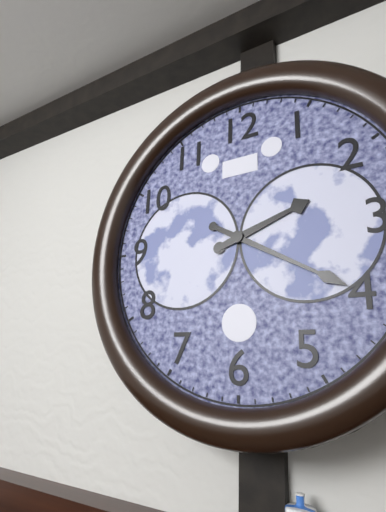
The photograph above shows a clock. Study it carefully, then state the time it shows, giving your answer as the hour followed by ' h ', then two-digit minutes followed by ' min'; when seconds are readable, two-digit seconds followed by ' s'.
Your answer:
2 h 20 min
